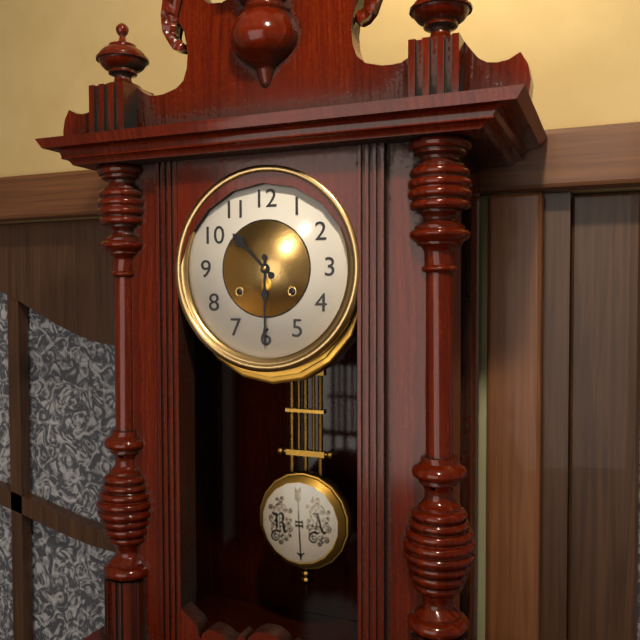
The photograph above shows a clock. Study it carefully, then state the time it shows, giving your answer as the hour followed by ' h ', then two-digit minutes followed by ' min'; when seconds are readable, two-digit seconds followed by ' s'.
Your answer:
10 h 30 min
